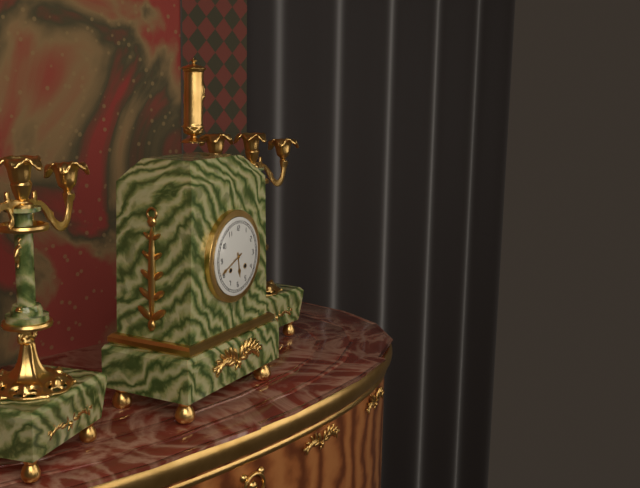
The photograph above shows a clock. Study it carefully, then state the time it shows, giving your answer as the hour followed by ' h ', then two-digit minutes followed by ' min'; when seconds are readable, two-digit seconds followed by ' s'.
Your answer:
5 h 41 min
